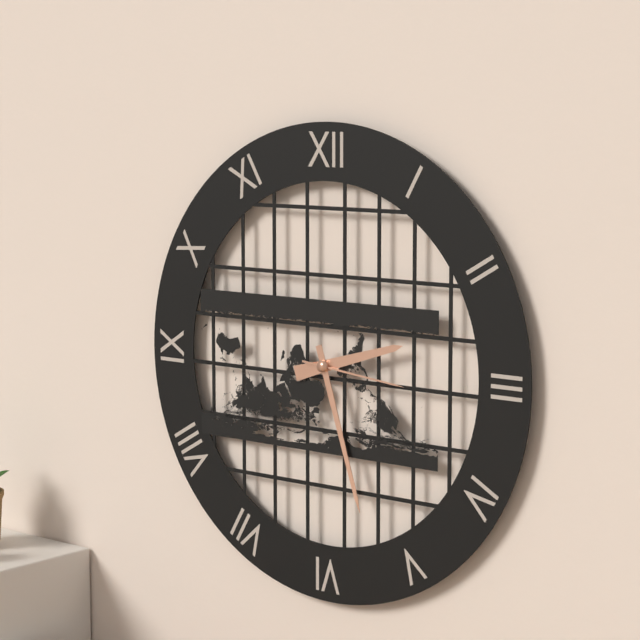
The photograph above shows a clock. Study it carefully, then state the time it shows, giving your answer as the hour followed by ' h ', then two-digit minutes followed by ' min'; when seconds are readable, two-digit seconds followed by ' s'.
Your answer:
2 h 27 min 16 s
